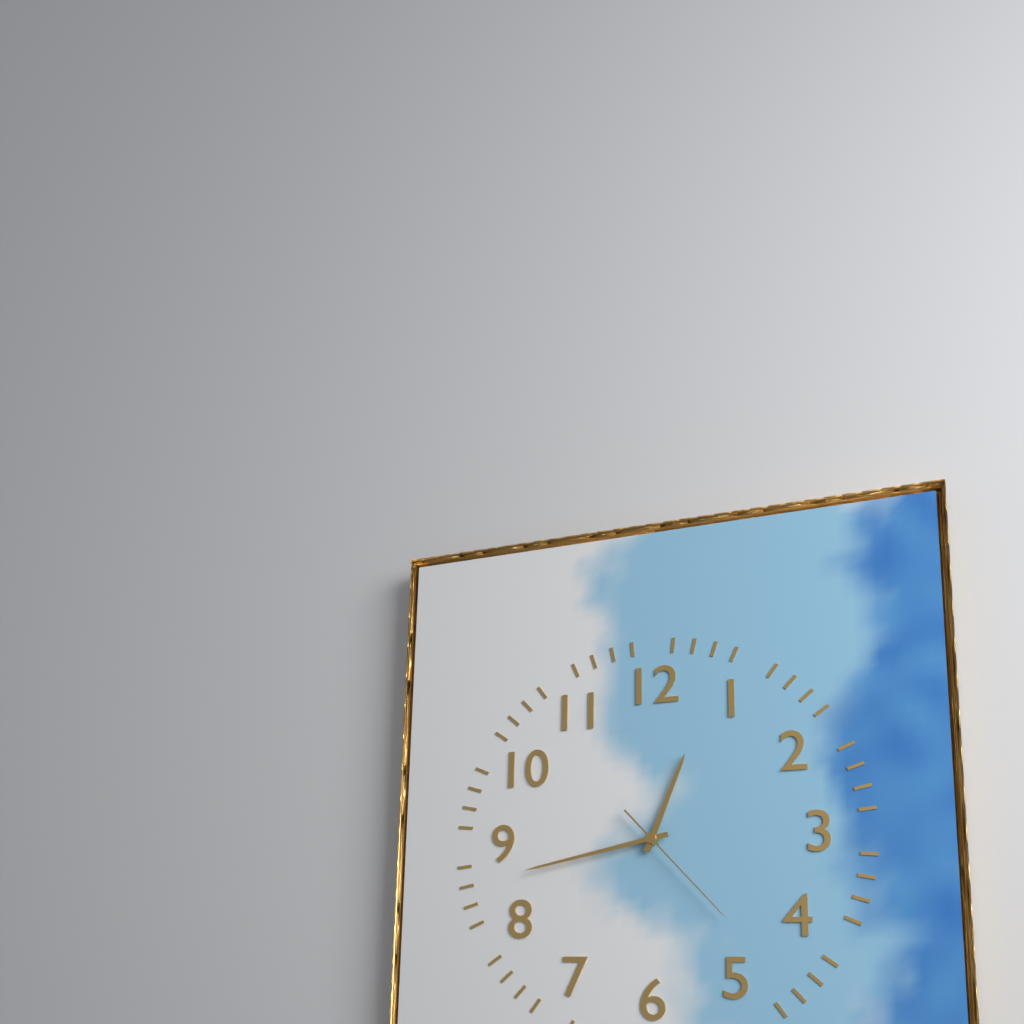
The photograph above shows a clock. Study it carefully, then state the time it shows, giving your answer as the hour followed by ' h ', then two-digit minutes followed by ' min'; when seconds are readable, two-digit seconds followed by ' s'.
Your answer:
12 h 43 min 23 s
